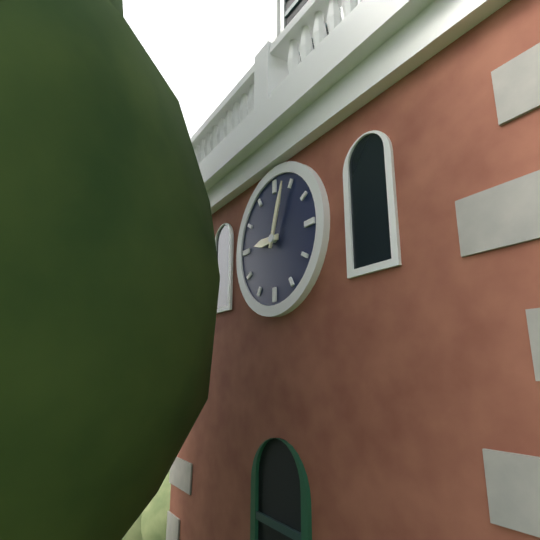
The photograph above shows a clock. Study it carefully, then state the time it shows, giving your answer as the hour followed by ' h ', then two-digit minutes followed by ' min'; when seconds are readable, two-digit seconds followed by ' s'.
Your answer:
9 h 03 min
